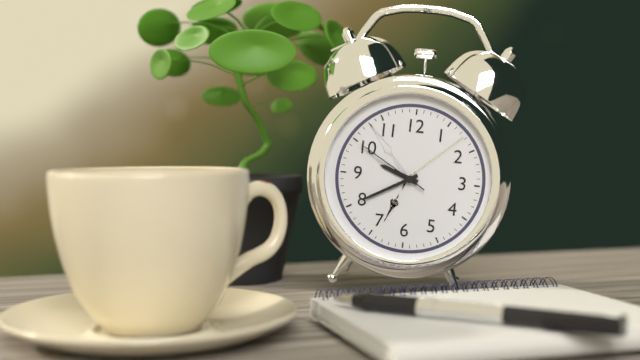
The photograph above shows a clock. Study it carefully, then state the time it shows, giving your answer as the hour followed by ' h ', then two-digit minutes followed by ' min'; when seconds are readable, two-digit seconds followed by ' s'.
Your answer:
9 h 40 min 50 s
